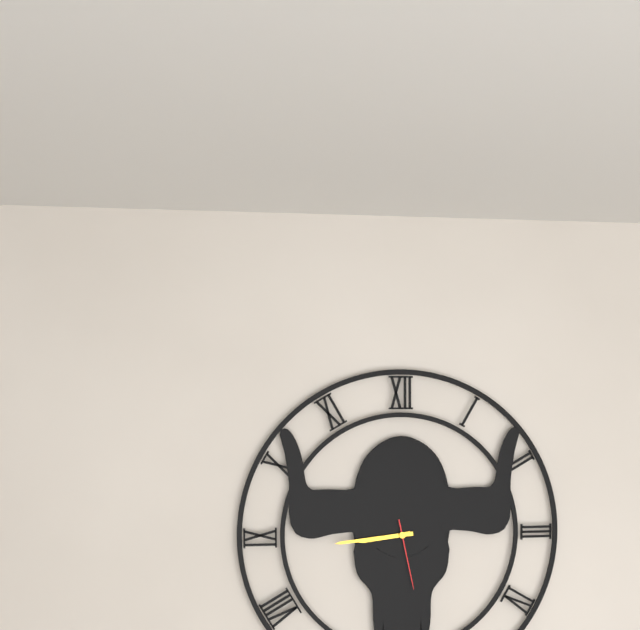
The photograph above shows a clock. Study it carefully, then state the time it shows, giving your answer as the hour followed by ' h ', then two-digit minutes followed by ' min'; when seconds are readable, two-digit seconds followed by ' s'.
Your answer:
8 h 44 min 28 s
